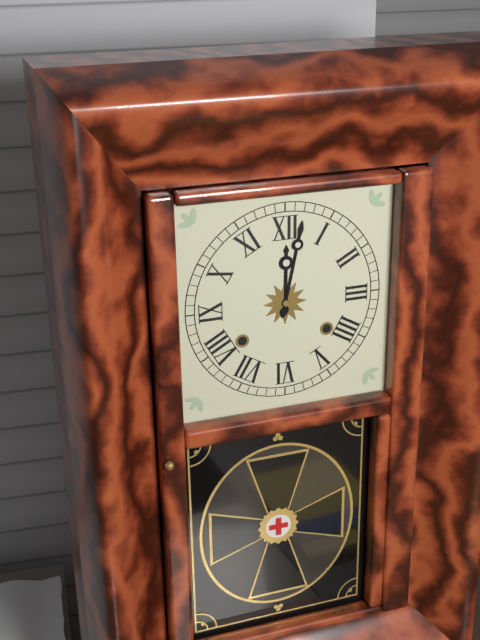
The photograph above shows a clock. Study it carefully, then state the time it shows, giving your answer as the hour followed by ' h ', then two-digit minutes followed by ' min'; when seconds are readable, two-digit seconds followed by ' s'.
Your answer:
12 h 02 min
